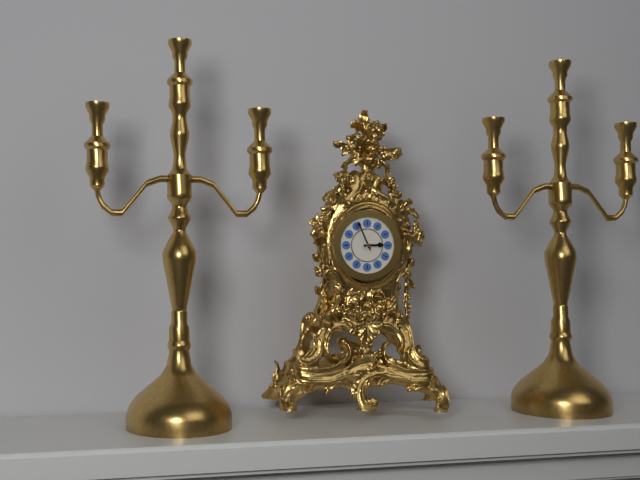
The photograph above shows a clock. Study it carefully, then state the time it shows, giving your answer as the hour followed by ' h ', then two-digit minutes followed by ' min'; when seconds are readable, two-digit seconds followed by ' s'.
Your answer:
2 h 56 min
